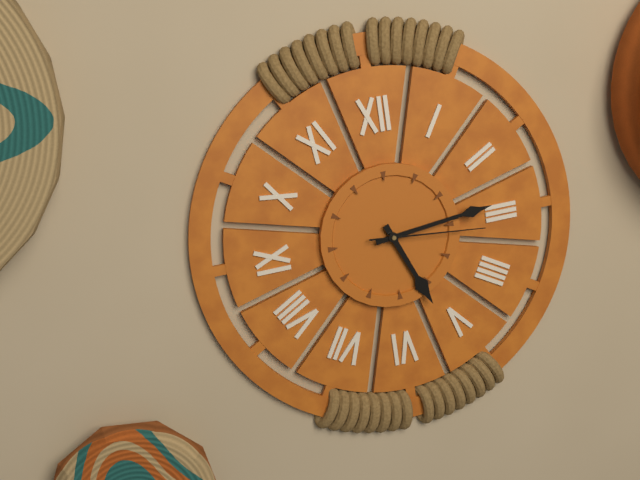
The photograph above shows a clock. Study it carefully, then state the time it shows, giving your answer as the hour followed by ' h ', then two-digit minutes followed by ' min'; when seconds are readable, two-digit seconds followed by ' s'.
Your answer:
5 h 14 min 16 s
